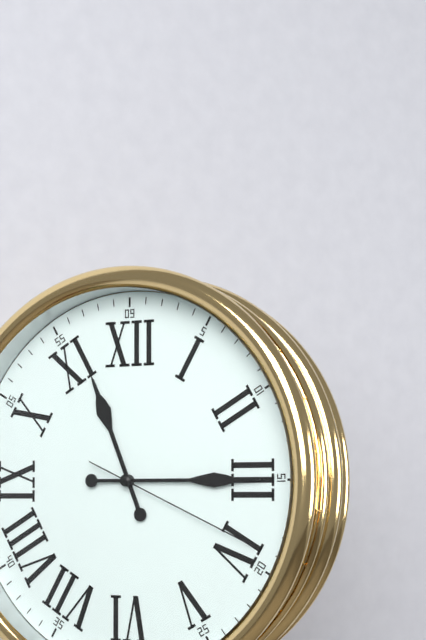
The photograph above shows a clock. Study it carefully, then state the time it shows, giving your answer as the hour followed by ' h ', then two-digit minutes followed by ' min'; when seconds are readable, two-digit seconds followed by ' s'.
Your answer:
11 h 15 min 19 s
